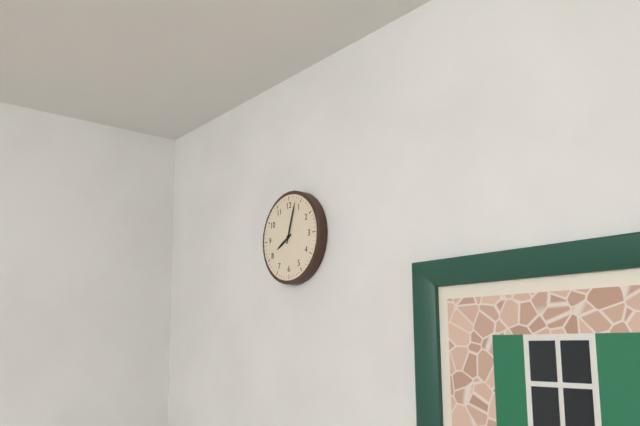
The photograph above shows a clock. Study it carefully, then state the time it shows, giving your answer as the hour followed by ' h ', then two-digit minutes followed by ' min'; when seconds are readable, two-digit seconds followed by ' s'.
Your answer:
8 h 03 min
